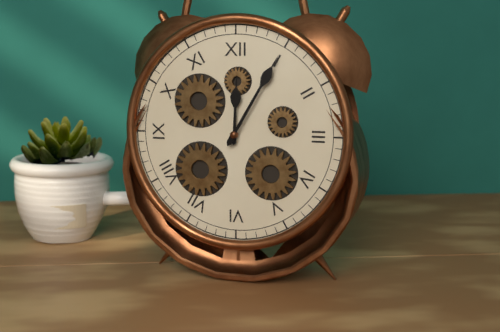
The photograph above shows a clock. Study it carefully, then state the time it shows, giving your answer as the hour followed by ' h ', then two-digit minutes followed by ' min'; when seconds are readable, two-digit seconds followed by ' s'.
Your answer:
12 h 05 min
